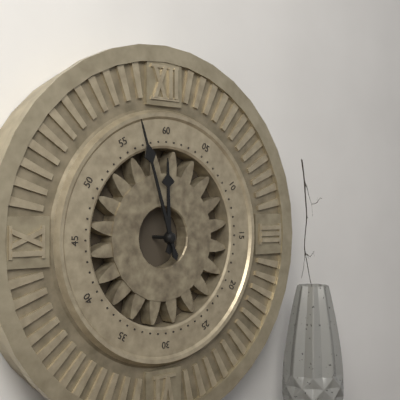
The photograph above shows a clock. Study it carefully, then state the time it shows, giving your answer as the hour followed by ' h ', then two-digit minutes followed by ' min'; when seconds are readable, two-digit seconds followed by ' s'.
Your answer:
11 h 57 min
